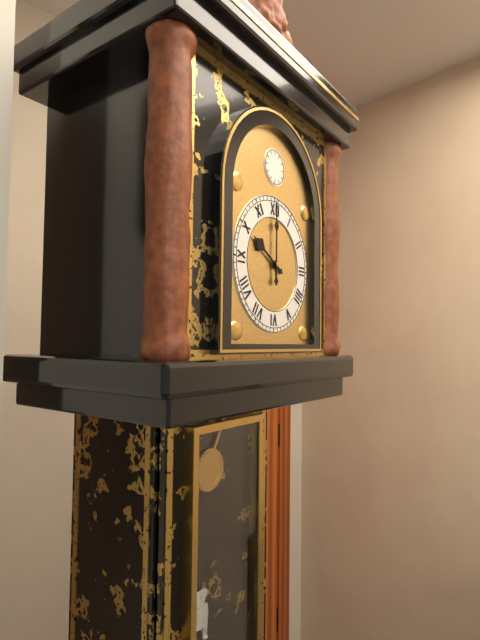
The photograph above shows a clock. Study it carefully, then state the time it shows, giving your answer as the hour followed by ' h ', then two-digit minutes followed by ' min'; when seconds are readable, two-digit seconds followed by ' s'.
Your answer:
10 h 00 min
